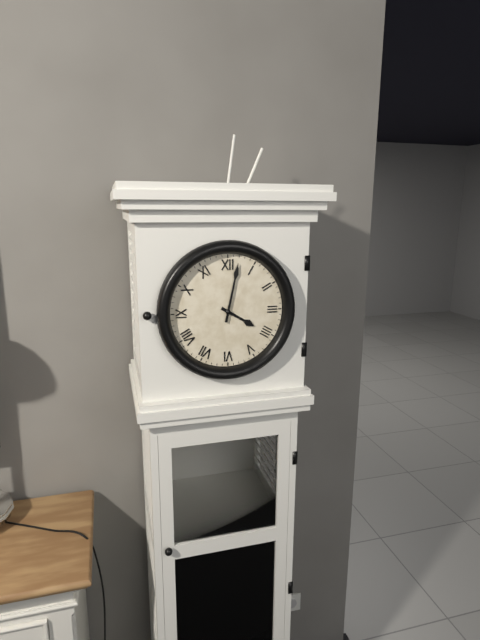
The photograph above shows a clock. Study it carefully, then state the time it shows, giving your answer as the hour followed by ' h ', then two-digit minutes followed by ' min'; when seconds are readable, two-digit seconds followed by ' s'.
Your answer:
4 h 02 min
